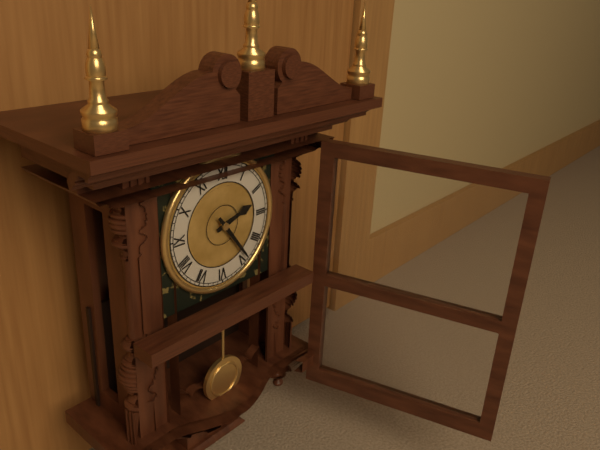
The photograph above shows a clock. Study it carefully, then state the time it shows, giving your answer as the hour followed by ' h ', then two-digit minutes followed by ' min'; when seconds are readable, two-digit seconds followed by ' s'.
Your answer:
2 h 24 min
